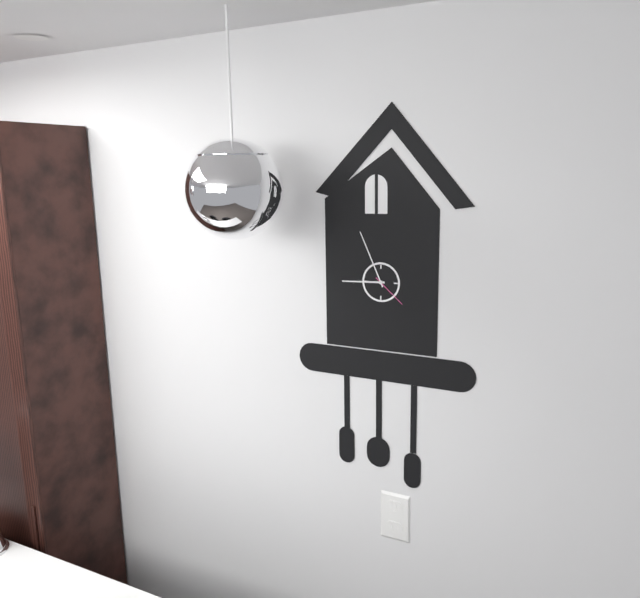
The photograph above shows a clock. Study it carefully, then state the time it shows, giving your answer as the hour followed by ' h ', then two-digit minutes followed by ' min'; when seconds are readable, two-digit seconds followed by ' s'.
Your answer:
8 h 56 min
